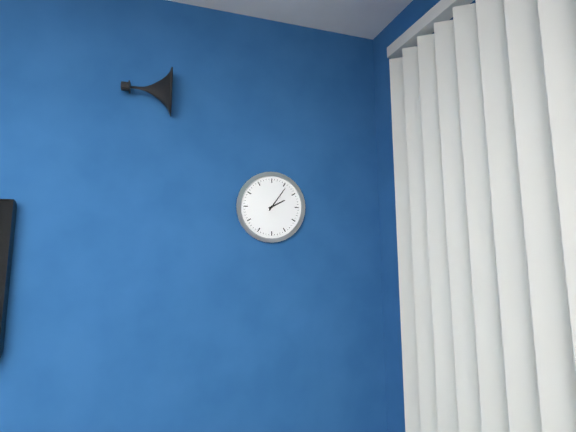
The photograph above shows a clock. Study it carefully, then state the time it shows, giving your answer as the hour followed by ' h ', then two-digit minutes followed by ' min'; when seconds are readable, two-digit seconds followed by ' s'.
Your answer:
2 h 06 min
